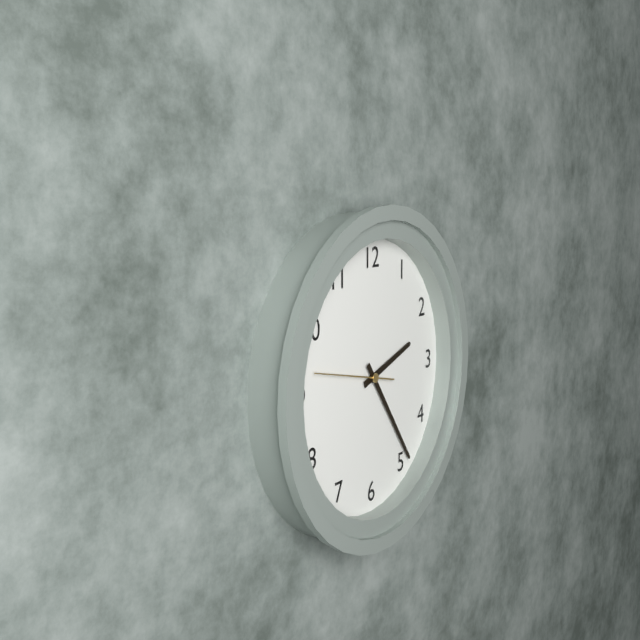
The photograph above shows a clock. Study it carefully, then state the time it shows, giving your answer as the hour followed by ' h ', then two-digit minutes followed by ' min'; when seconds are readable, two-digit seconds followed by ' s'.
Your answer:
2 h 24 min
